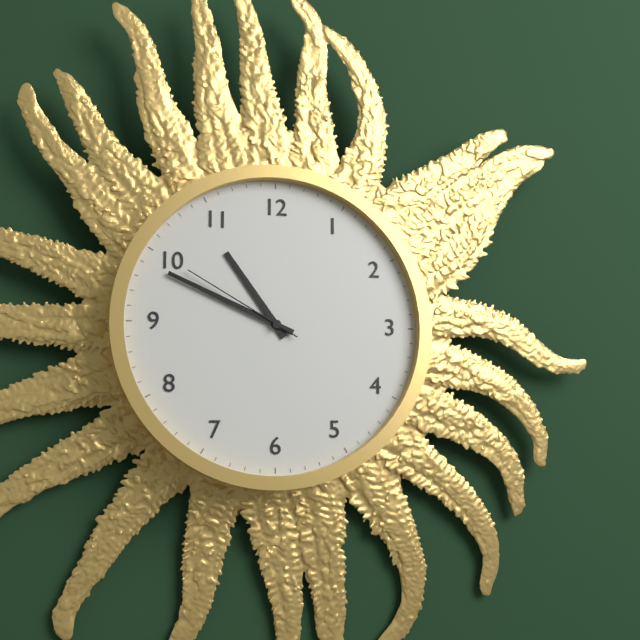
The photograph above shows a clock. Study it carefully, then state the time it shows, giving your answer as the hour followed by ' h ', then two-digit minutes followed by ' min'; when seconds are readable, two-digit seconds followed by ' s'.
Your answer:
10 h 49 min 50 s
